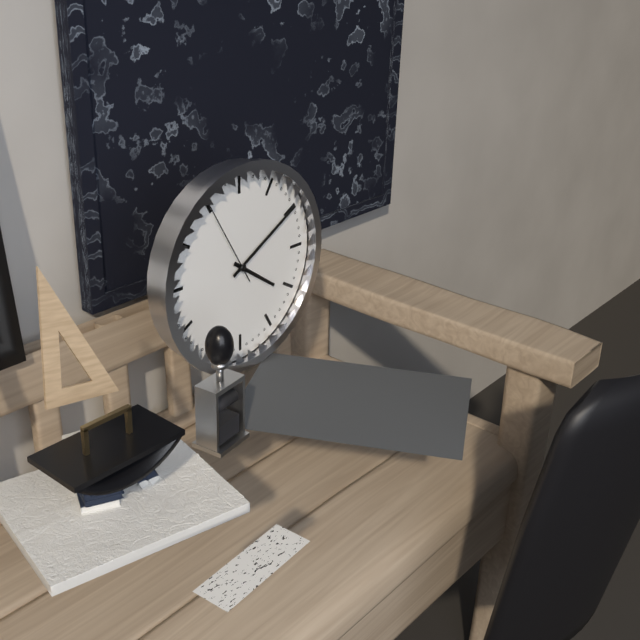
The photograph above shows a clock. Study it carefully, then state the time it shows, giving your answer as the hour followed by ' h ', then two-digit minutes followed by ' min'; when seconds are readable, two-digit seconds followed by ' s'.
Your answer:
4 h 10 min 55 s
